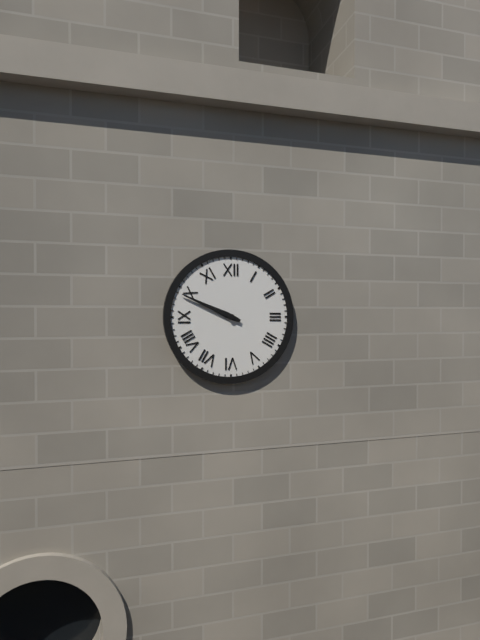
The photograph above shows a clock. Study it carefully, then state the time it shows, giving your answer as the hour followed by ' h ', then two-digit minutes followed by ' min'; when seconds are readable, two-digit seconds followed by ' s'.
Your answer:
9 h 49 min
